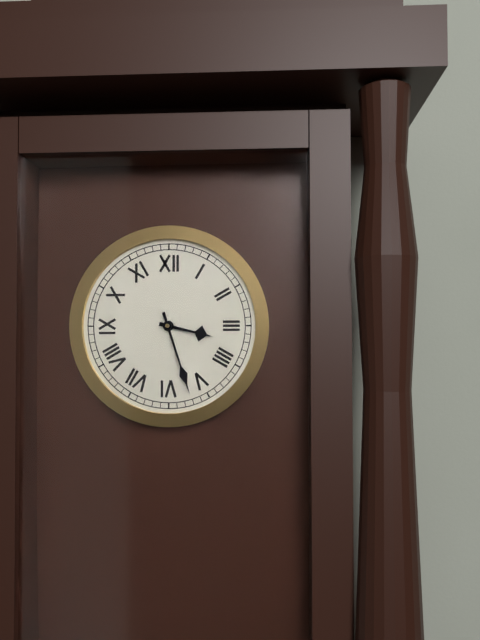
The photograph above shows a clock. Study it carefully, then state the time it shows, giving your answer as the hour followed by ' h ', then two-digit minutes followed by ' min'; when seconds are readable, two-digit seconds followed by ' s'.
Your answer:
3 h 27 min
